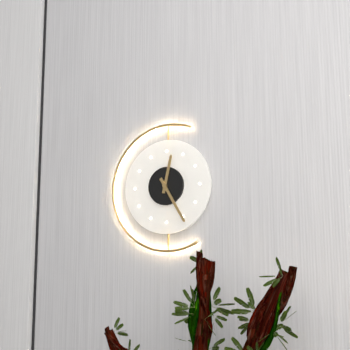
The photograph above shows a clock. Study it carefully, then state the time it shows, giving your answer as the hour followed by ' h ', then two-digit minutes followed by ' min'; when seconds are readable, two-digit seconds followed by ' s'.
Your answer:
12 h 25 min
